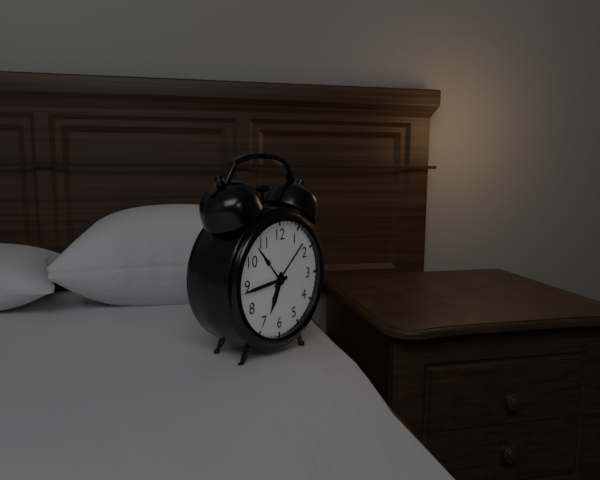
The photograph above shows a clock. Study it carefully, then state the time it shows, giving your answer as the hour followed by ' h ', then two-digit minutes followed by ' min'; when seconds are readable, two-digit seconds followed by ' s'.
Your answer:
6 h 44 min
